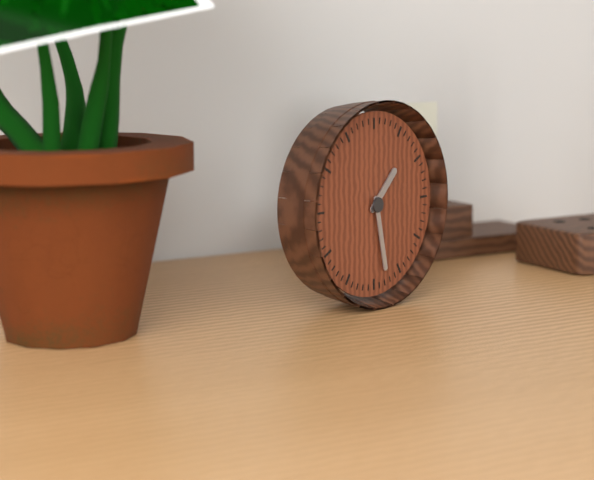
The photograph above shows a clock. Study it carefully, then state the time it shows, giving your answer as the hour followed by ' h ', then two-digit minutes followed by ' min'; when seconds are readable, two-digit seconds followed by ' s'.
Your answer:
1 h 28 min
